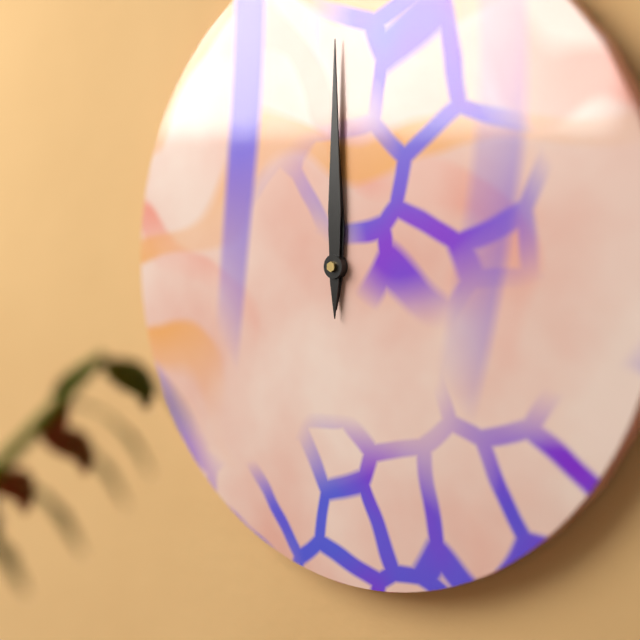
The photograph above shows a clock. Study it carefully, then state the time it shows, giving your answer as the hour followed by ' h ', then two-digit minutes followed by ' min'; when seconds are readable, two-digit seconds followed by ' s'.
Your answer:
12 h 00 min
